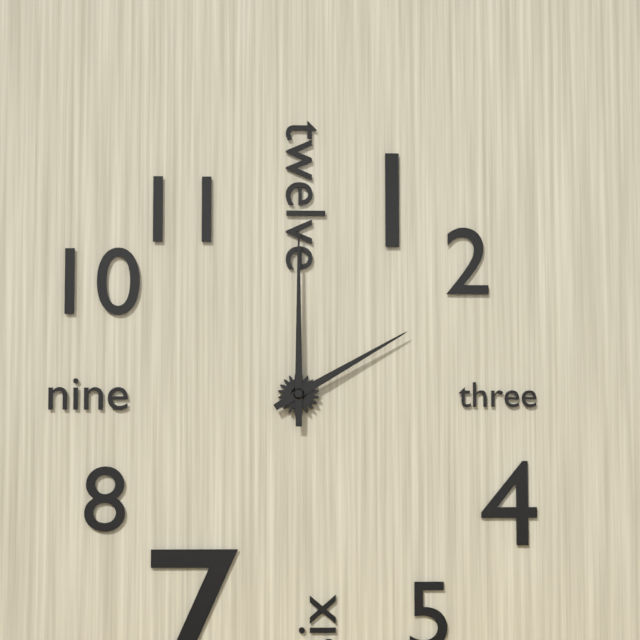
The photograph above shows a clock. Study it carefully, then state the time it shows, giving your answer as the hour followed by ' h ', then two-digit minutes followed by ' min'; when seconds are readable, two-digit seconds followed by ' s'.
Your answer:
2 h 00 min
